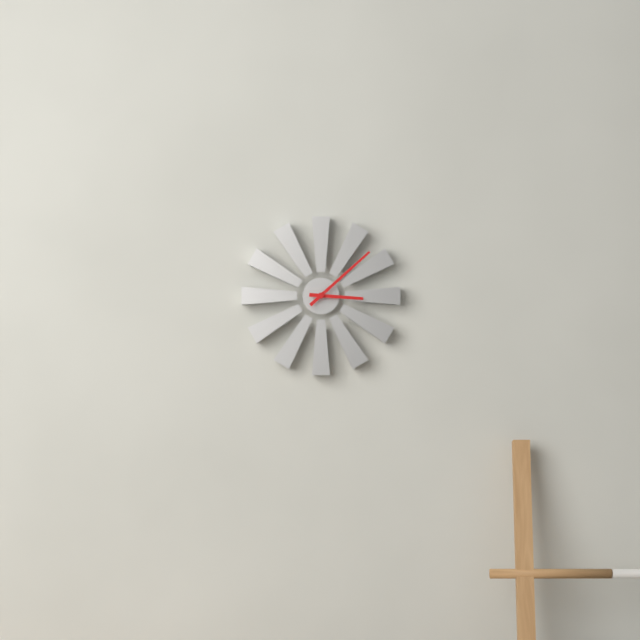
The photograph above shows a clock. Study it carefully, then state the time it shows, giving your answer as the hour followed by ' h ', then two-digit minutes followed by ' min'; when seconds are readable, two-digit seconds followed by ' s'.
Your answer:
3 h 08 min
